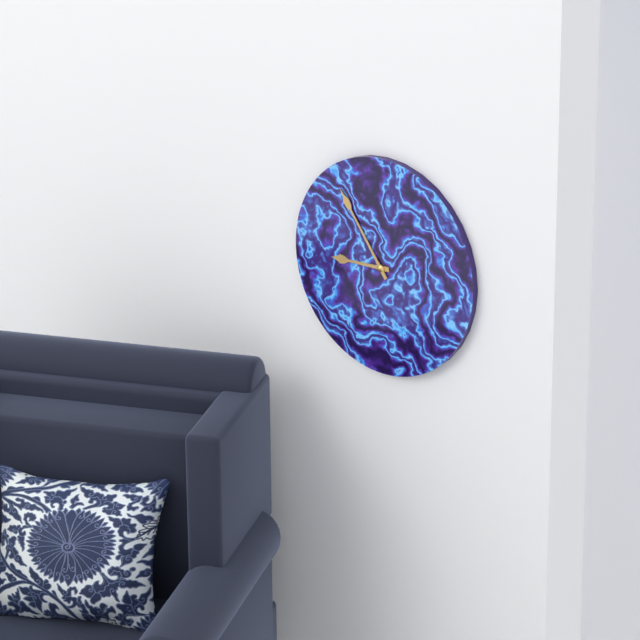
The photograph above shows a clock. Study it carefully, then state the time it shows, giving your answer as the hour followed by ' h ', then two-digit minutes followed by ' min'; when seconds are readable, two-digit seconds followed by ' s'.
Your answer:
8 h 54 min
